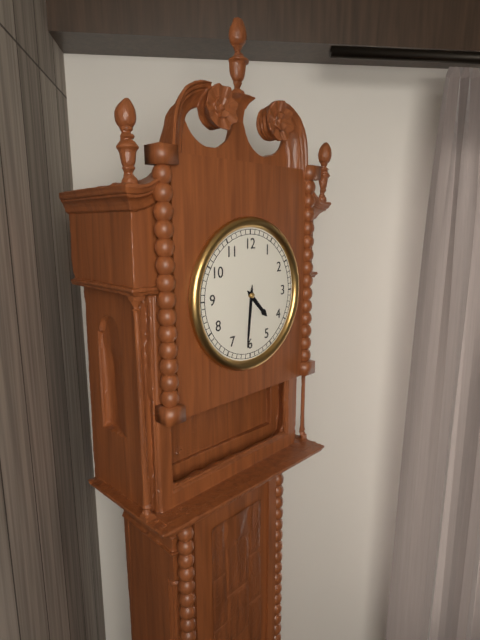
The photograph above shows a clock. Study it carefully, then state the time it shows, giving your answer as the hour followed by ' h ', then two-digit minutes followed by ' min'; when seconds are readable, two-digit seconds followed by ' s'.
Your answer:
4 h 31 min
